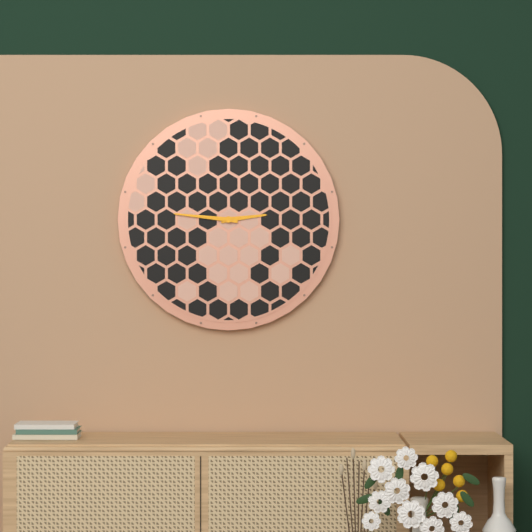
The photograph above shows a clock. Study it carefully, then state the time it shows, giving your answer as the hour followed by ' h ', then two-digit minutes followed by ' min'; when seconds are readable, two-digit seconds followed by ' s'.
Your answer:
2 h 46 min
